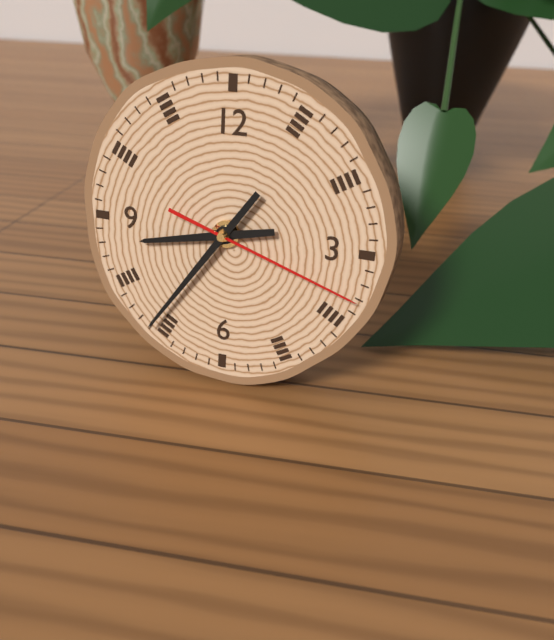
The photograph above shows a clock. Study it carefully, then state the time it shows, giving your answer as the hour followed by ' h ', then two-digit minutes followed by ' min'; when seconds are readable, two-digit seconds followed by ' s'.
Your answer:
8 h 36 min 18 s
